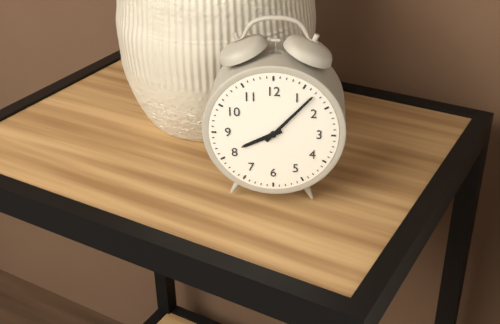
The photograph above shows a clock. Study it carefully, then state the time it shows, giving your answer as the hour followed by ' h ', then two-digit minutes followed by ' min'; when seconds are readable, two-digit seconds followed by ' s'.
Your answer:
8 h 07 min
